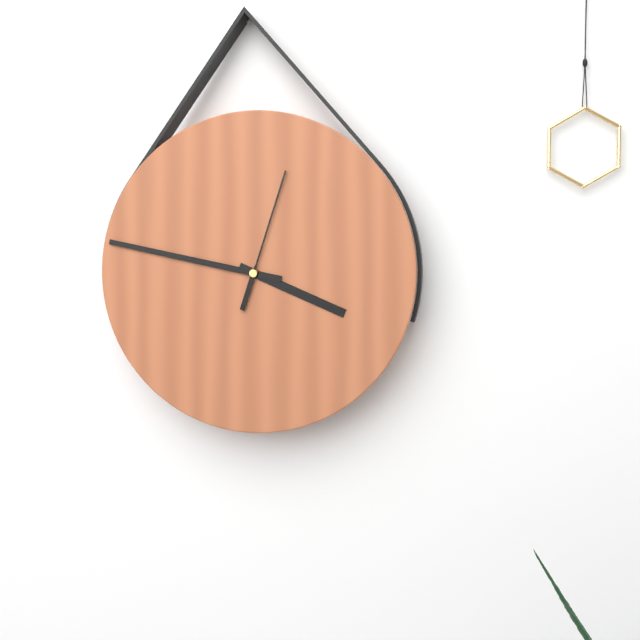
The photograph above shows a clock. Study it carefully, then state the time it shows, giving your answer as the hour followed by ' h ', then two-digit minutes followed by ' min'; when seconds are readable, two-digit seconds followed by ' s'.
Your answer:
3 h 47 min 03 s
